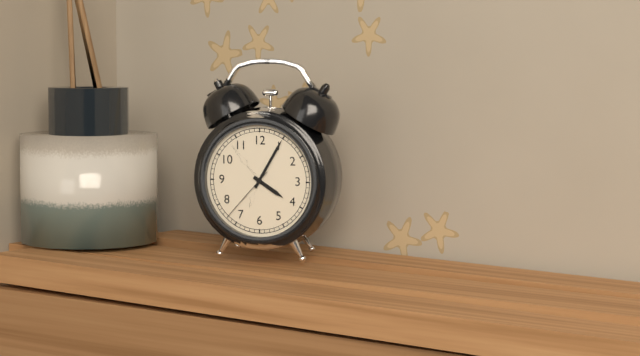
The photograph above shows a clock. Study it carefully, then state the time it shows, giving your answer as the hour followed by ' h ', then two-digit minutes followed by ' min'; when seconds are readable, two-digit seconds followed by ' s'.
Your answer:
4 h 05 min 37 s
